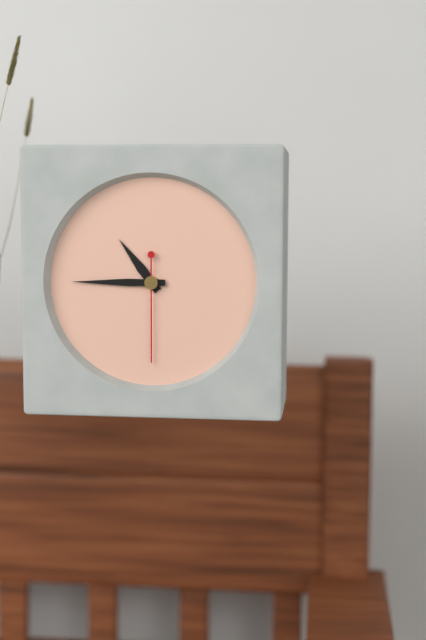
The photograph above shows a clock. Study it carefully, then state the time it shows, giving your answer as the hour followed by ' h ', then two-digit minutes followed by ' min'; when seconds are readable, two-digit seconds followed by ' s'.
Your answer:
10 h 45 min 30 s
